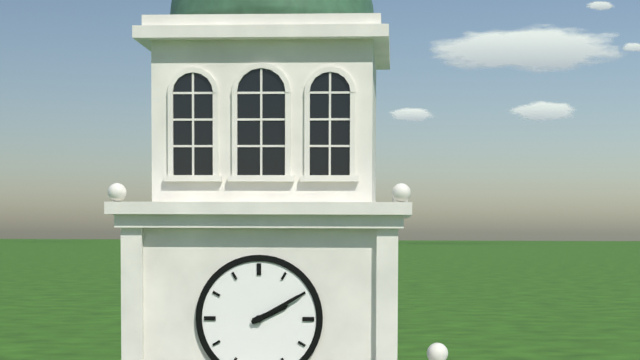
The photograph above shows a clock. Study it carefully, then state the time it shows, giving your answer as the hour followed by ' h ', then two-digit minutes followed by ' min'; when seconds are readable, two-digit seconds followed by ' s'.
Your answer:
2 h 10 min
